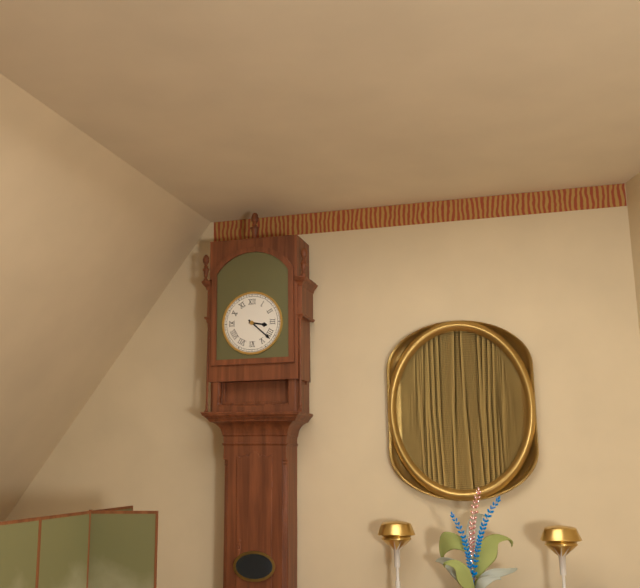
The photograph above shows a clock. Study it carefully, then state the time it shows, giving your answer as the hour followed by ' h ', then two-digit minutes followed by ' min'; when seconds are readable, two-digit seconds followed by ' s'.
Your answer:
3 h 22 min
